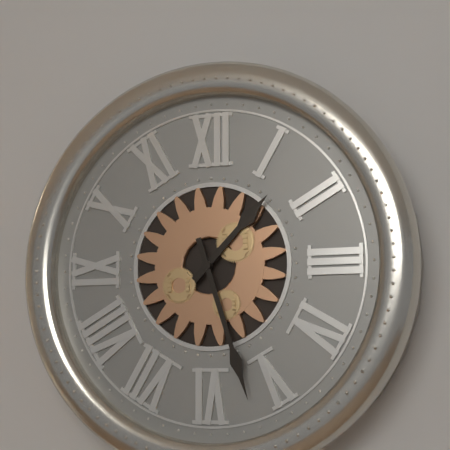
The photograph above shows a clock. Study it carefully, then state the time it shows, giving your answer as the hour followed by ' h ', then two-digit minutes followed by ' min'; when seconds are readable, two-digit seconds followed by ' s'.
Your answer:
1 h 27 min
